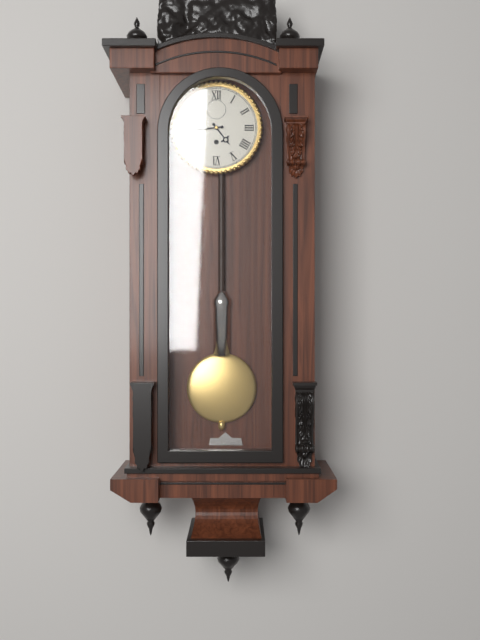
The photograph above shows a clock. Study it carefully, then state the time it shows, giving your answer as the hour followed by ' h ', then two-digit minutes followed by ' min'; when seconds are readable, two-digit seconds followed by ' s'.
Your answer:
4 h 44 min
